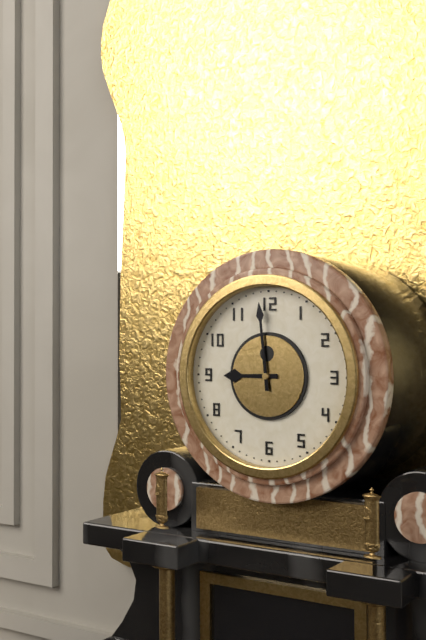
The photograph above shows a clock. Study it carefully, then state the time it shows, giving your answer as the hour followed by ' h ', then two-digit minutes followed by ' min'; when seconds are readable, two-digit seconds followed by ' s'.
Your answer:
8 h 59 min
